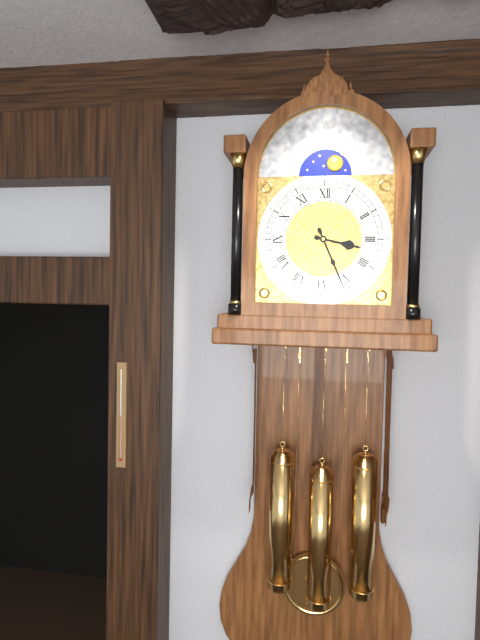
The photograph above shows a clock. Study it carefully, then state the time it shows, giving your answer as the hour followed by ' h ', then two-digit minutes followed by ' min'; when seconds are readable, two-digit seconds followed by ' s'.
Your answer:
3 h 26 min
